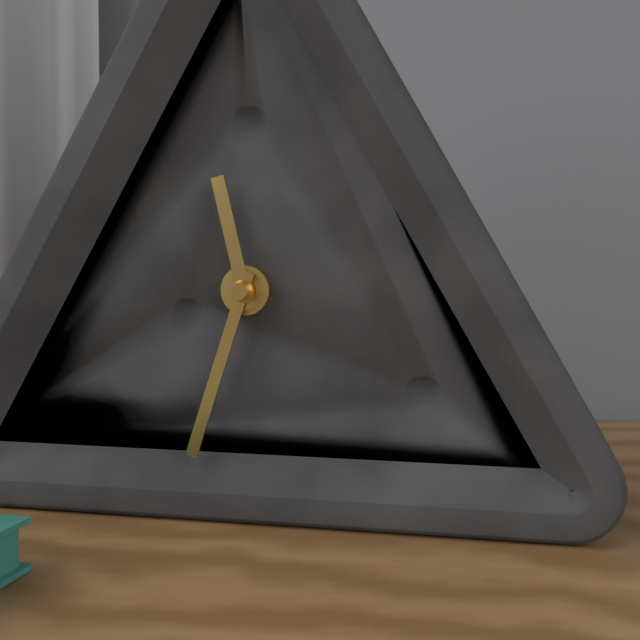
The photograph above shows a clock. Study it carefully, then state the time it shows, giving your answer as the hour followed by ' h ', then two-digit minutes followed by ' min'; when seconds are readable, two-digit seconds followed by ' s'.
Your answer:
11 h 33 min
